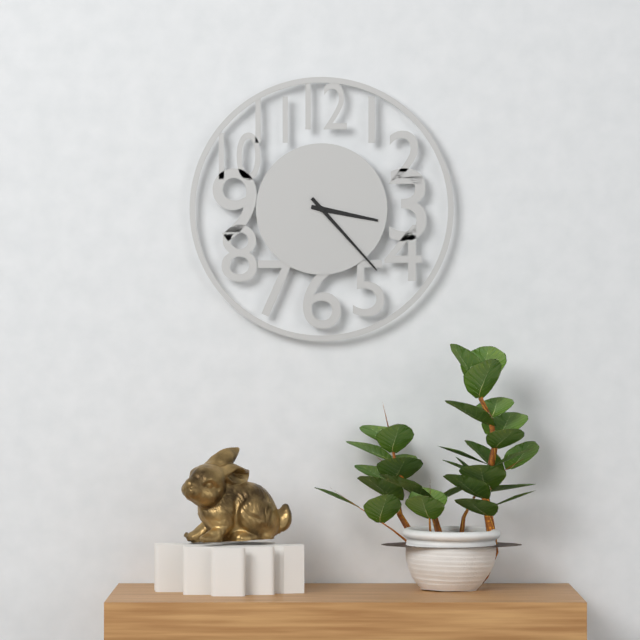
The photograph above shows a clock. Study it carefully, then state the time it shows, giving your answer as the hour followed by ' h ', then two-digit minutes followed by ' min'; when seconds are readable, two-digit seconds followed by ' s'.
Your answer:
3 h 23 min
